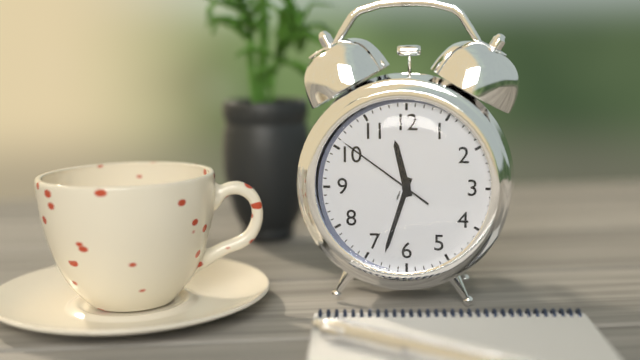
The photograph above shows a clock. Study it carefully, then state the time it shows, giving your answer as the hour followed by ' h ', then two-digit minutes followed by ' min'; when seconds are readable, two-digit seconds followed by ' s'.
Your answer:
11 h 33 min 51 s
